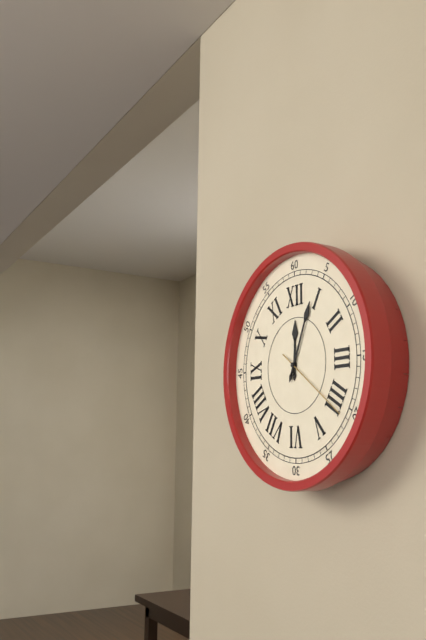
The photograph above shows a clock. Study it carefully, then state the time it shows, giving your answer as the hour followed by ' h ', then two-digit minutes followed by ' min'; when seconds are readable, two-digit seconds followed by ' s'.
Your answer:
12 h 04 min 21 s
